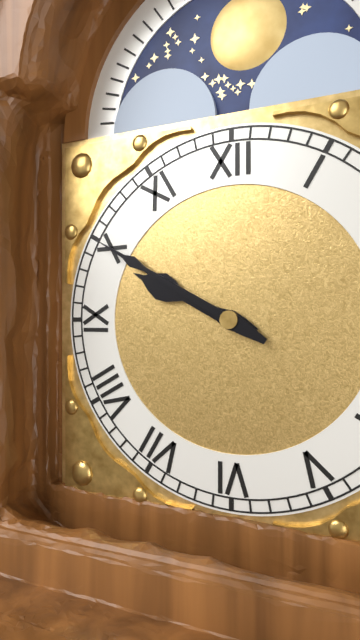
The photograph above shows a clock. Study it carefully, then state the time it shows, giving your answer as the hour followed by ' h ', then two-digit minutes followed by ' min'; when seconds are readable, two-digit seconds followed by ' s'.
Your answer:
9 h 50 min
